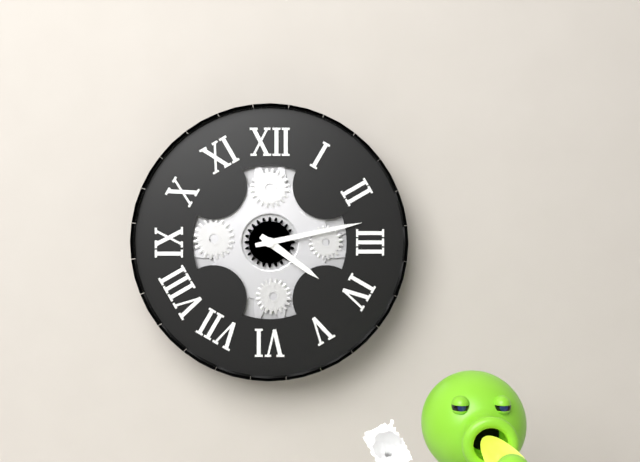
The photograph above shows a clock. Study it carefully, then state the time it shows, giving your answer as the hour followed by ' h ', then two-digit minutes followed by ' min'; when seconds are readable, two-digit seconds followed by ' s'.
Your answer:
4 h 13 min
